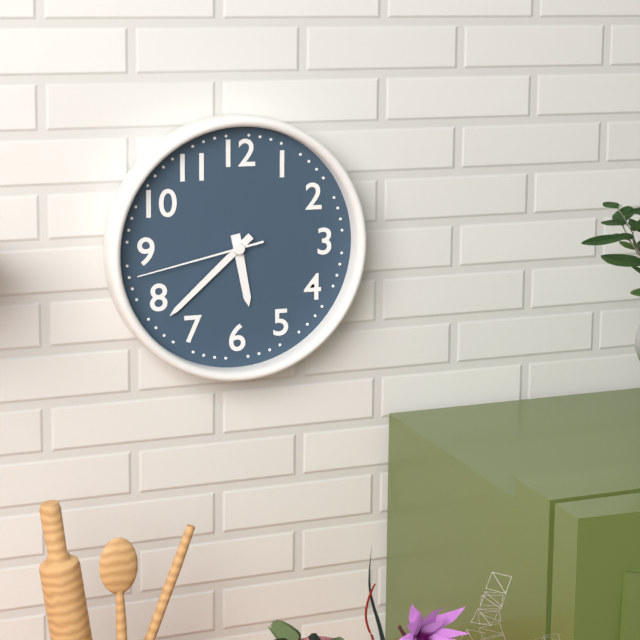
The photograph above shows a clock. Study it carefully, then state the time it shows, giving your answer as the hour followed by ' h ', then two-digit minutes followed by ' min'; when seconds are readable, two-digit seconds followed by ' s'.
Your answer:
5 h 38 min 43 s
